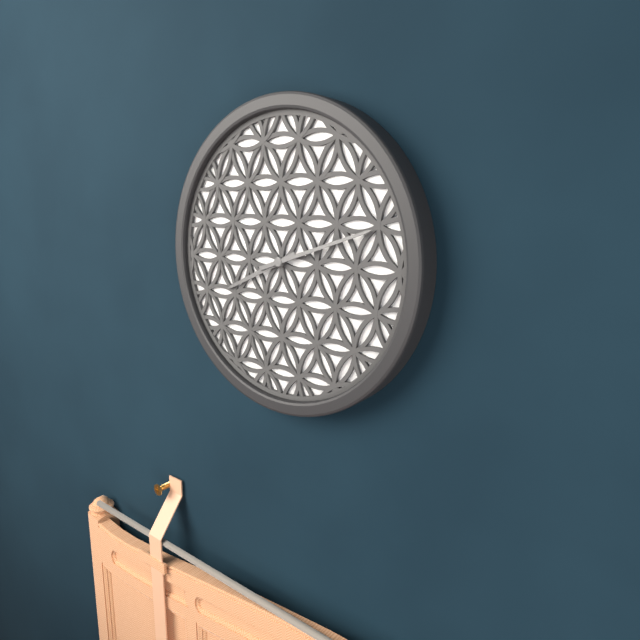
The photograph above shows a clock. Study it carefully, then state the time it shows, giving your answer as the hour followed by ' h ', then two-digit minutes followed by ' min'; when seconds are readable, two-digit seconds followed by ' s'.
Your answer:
8 h 12 min
